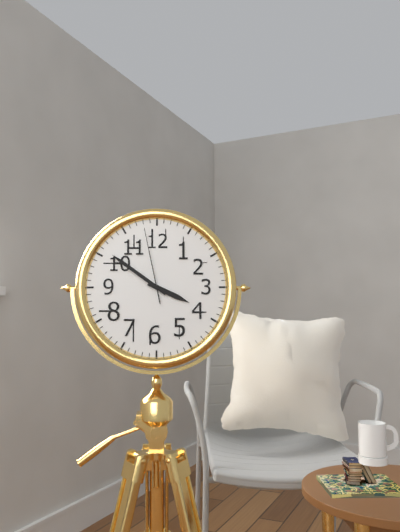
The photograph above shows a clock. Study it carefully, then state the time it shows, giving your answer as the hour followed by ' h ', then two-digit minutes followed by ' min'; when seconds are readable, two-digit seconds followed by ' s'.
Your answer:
3 h 51 min 58 s
